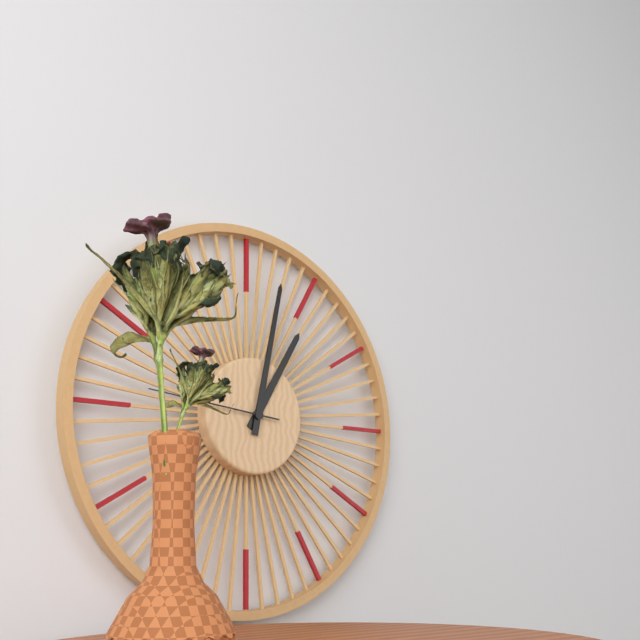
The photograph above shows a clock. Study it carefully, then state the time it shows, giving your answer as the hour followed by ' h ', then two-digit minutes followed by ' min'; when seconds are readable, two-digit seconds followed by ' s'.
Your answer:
1 h 02 min 46 s
